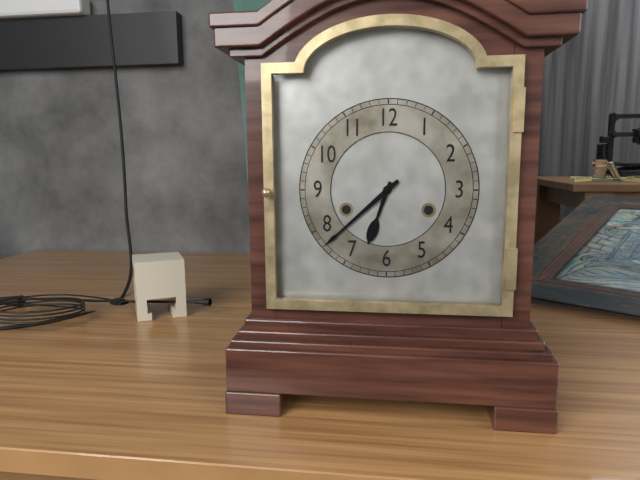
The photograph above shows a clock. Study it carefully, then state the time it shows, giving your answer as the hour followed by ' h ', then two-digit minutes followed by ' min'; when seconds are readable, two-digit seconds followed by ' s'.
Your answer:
6 h 38 min
